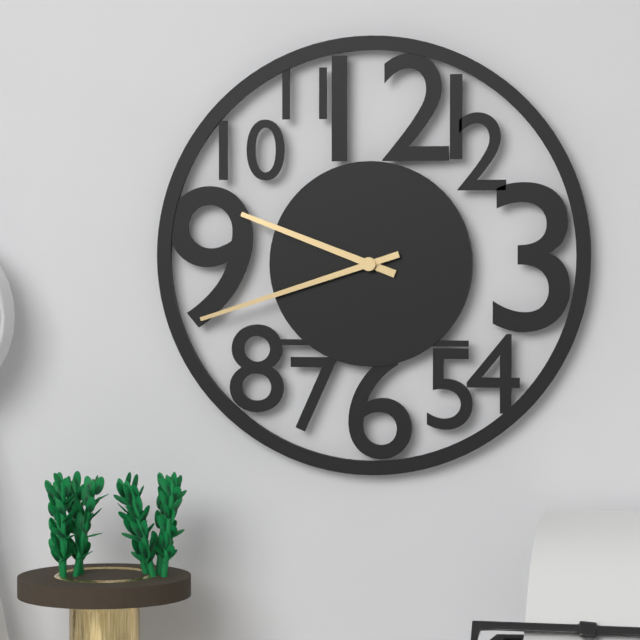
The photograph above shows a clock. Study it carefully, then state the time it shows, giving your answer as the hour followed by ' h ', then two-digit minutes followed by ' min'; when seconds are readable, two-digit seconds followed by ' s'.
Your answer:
9 h 42 min
